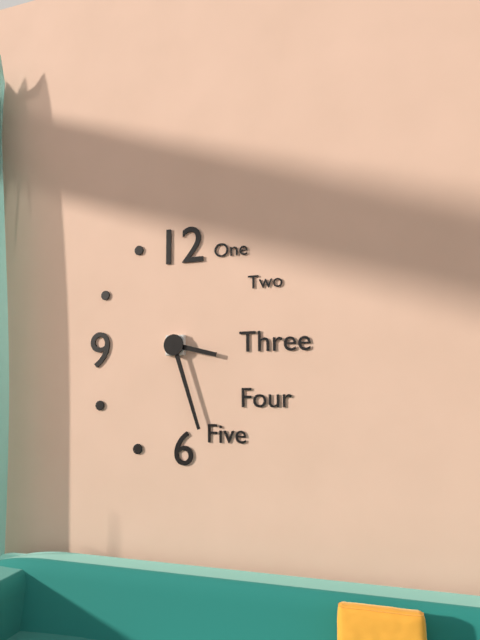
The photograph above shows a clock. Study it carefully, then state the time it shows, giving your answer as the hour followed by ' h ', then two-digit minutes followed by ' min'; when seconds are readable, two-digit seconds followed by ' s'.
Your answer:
3 h 27 min
